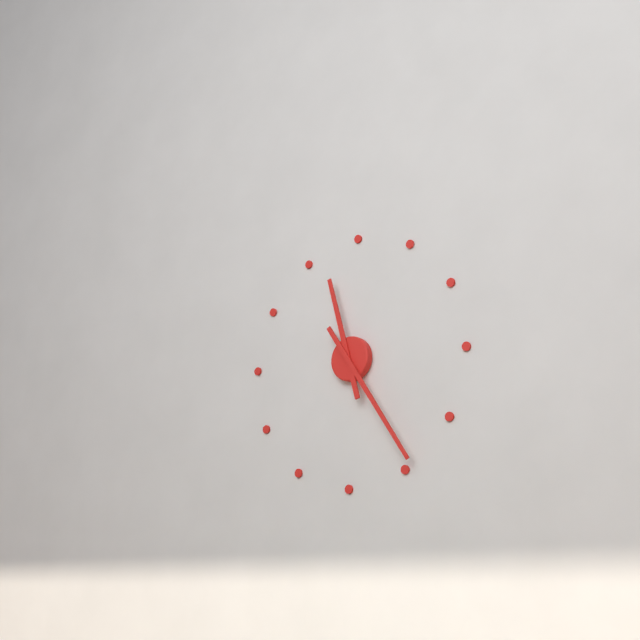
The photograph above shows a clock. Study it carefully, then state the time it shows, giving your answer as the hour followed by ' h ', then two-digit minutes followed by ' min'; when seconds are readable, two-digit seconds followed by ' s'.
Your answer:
11 h 24 min
